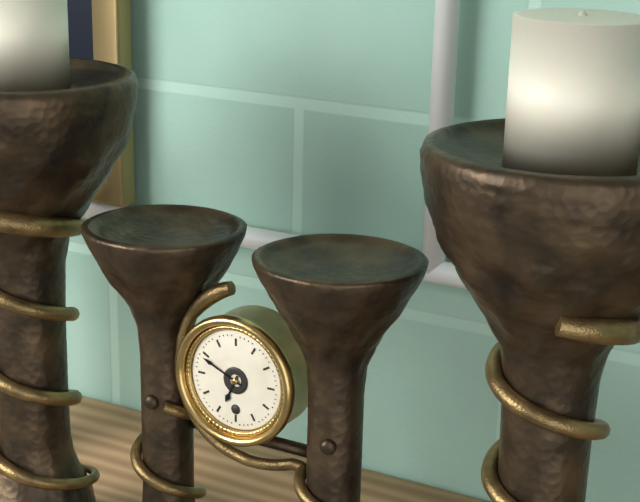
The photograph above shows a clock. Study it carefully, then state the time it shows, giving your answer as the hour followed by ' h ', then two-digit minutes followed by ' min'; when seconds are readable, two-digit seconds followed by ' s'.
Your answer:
6 h 49 min
